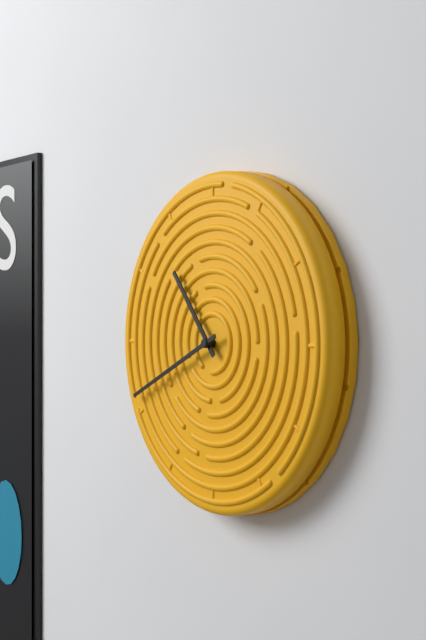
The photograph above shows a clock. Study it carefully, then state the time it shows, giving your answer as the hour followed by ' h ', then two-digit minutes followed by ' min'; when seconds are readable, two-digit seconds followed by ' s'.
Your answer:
10 h 41 min
